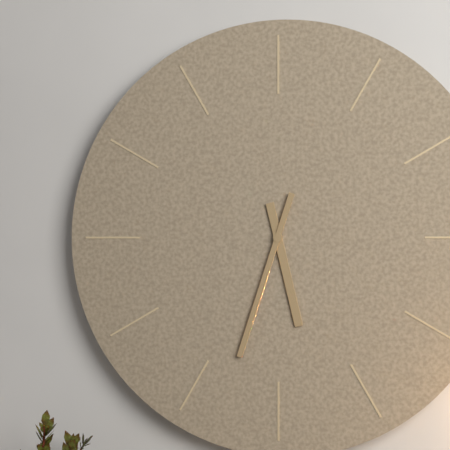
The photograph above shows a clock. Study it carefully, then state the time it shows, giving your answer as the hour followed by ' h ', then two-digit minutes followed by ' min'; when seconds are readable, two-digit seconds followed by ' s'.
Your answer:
5 h 33 min
